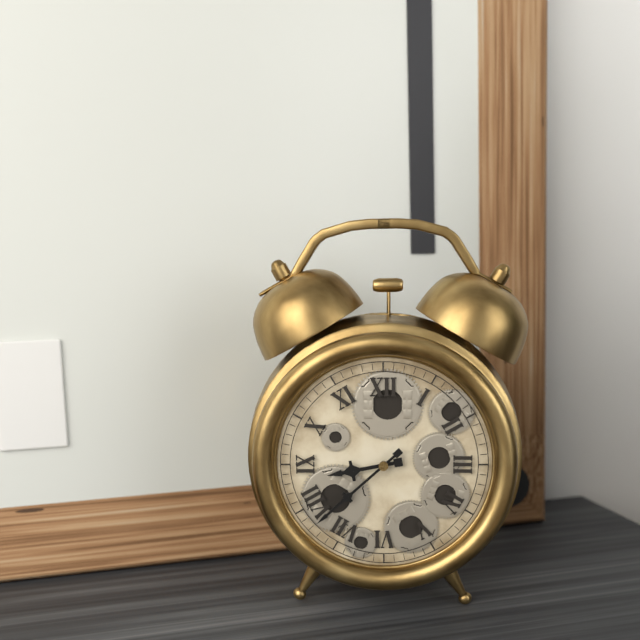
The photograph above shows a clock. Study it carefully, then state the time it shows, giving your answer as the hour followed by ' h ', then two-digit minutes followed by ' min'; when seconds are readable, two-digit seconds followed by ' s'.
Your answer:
8 h 38 min
